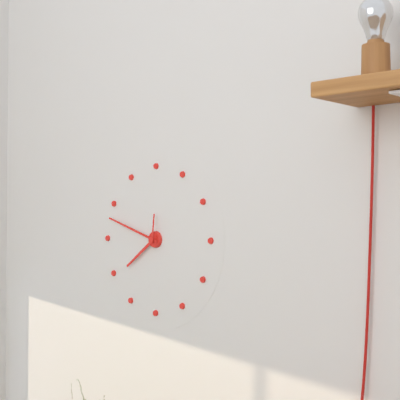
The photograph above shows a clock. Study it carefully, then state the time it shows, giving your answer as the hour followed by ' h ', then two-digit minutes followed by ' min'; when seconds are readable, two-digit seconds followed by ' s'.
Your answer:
7 h 48 min
